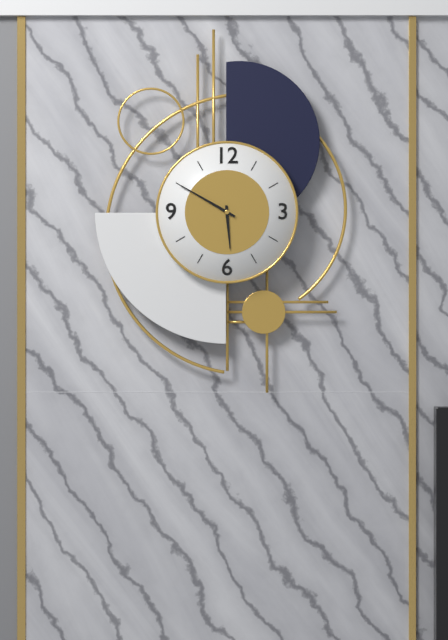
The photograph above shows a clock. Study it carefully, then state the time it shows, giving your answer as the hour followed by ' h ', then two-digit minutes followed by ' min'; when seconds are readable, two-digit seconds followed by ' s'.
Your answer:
5 h 50 min
